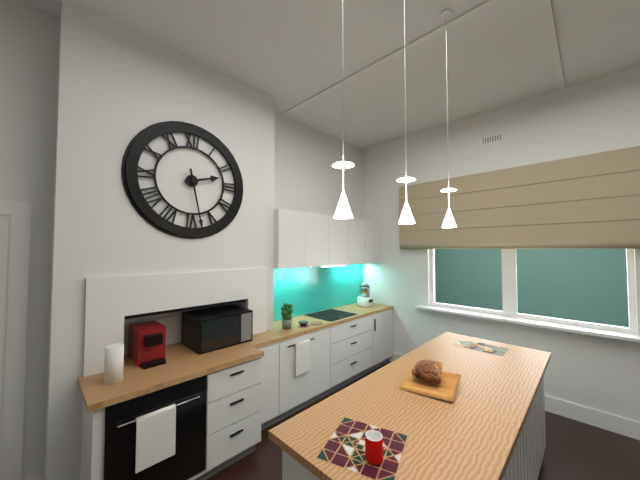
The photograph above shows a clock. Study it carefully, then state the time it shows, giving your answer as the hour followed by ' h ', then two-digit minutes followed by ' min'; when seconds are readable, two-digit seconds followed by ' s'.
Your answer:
2 h 28 min
